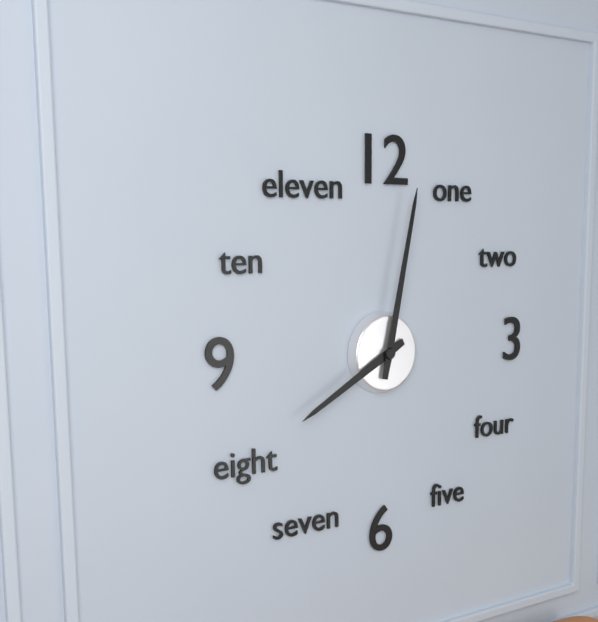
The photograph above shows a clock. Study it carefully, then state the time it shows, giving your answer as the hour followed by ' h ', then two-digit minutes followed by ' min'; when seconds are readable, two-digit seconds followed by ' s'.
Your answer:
8 h 02 min
